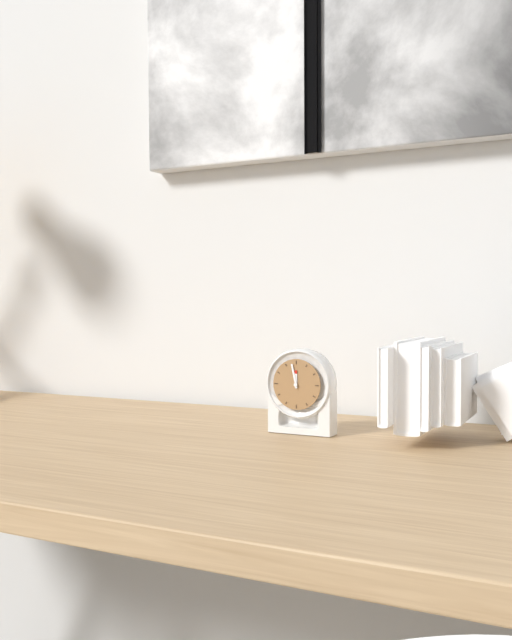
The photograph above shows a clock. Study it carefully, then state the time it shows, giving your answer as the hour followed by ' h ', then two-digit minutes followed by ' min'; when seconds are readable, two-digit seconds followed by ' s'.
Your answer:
11 h 58 min
